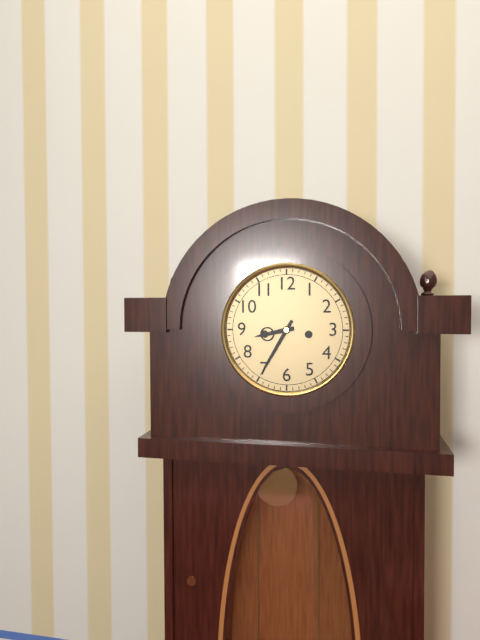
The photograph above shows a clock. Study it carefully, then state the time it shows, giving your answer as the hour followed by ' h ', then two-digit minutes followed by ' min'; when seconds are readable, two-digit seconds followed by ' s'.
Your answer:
8 h 35 min
